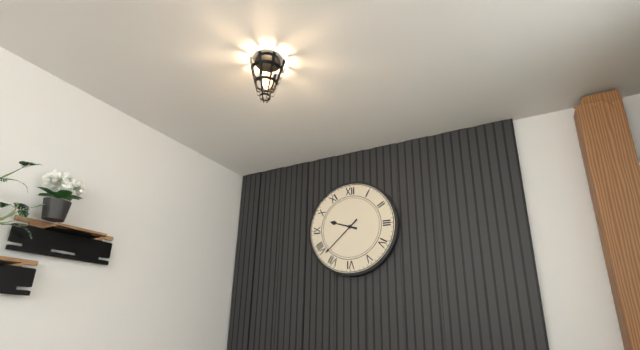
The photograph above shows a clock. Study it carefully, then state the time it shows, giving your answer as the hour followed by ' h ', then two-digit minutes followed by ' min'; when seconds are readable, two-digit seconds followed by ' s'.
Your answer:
9 h 38 min
